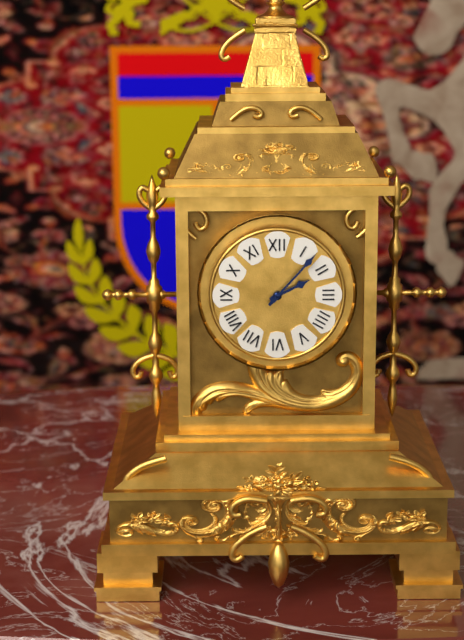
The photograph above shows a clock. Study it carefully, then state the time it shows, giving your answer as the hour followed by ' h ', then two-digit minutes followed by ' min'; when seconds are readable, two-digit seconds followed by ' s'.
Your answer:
2 h 07 min
